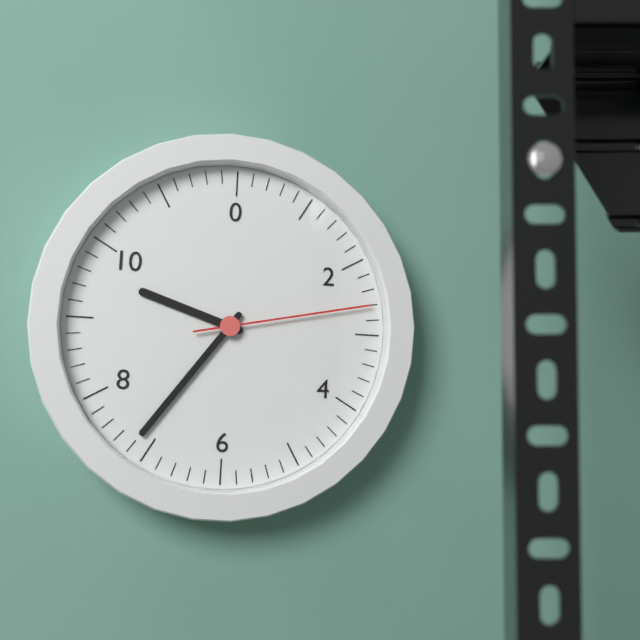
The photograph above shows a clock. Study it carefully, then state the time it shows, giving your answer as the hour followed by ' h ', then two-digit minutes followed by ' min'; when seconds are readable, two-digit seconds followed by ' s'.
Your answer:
9 h 36 min 13 s
